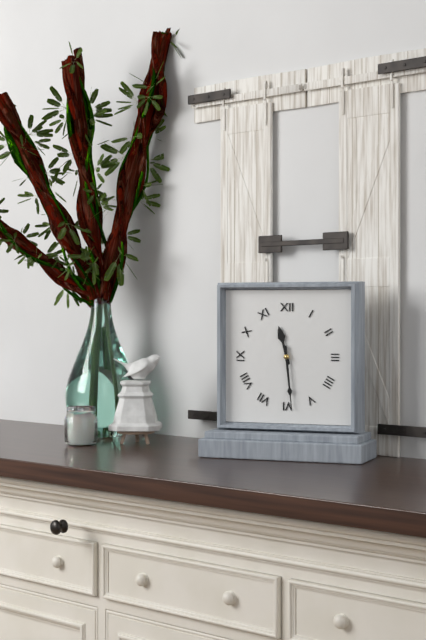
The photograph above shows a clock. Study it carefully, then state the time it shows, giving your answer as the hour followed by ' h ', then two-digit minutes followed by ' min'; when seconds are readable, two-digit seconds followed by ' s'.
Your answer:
11 h 29 min
